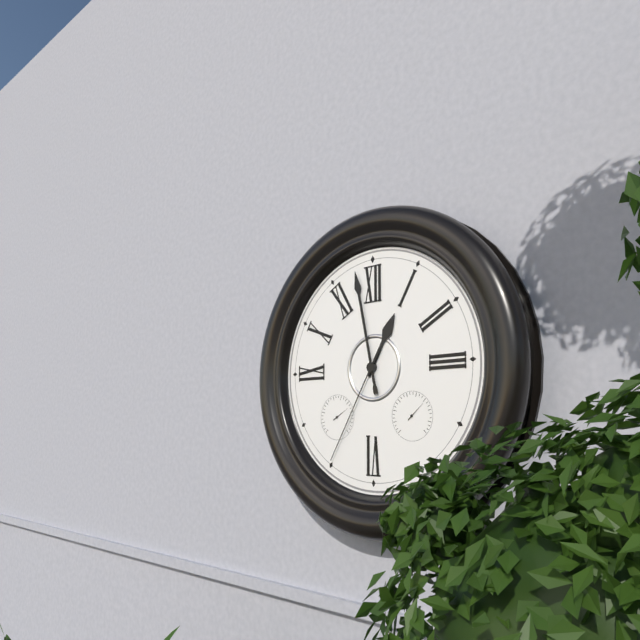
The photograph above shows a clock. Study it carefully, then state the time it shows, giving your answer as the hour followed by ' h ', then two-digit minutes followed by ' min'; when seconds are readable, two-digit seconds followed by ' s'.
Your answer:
12 h 58 min 35 s
